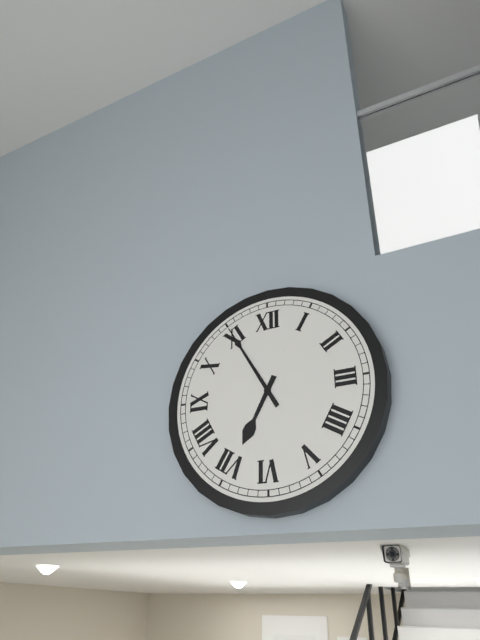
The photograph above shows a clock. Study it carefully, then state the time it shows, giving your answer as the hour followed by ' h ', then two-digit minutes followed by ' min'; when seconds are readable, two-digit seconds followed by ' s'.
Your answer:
6 h 55 min
